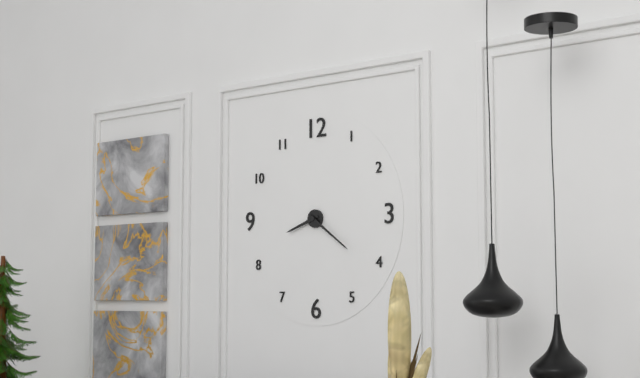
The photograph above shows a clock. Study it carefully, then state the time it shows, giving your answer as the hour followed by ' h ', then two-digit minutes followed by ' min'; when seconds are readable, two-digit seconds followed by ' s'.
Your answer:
8 h 21 min
